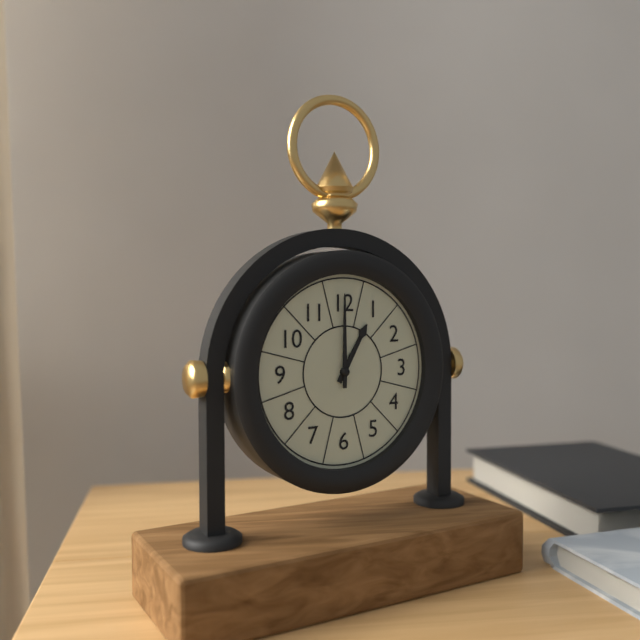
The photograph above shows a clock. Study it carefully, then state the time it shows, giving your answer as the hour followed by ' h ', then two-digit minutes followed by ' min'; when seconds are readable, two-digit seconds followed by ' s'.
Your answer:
1 h 00 min
